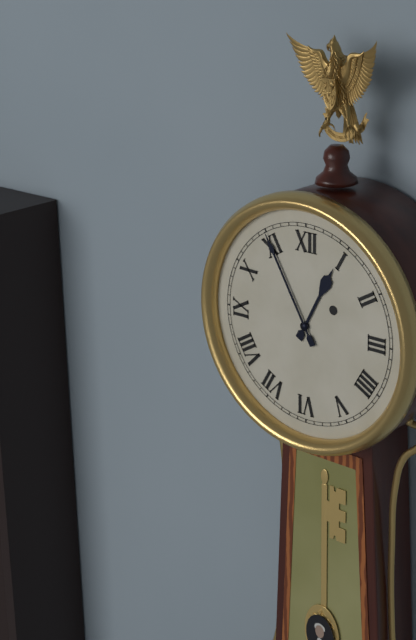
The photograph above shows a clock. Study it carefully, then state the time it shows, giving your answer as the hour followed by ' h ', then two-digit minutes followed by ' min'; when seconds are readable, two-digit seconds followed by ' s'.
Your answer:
12 h 55 min
